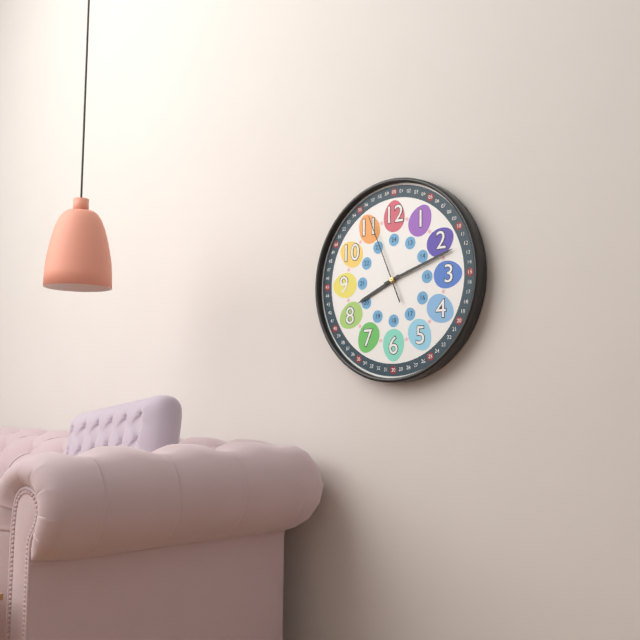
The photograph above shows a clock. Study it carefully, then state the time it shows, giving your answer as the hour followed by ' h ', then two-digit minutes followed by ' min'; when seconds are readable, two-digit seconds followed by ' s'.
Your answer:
8 h 12 min 56 s
